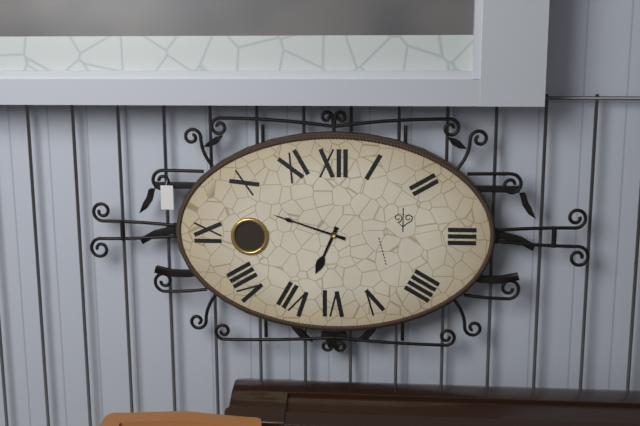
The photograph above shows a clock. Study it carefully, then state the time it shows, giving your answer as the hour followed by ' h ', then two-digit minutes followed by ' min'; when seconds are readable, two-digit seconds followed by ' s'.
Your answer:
6 h 48 min
